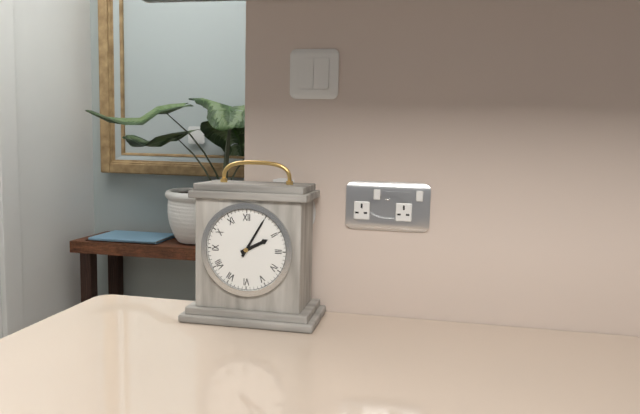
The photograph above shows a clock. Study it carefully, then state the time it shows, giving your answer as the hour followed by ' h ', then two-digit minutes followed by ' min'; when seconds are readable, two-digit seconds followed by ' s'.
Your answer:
2 h 05 min
